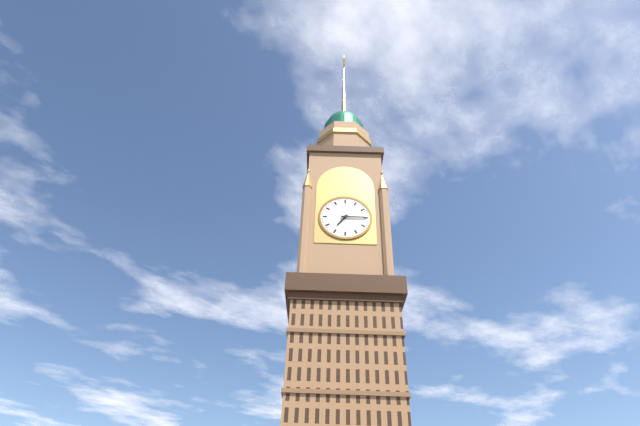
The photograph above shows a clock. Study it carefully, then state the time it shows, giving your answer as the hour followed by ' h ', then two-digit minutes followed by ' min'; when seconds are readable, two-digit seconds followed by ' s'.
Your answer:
7 h 15 min
